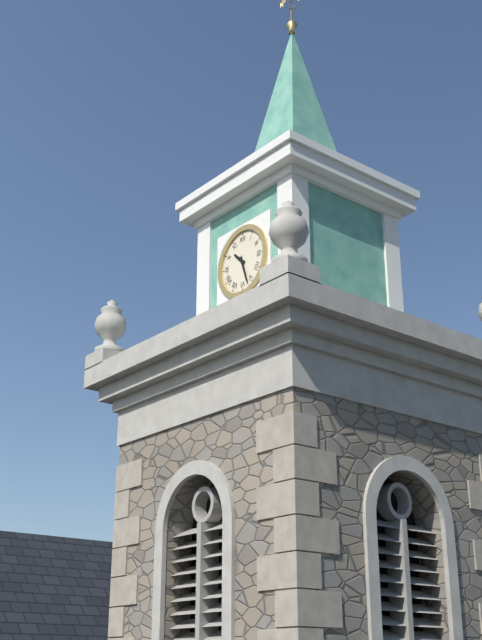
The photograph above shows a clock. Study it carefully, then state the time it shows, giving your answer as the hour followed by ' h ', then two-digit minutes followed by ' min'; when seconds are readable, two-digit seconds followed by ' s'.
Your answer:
10 h 27 min
